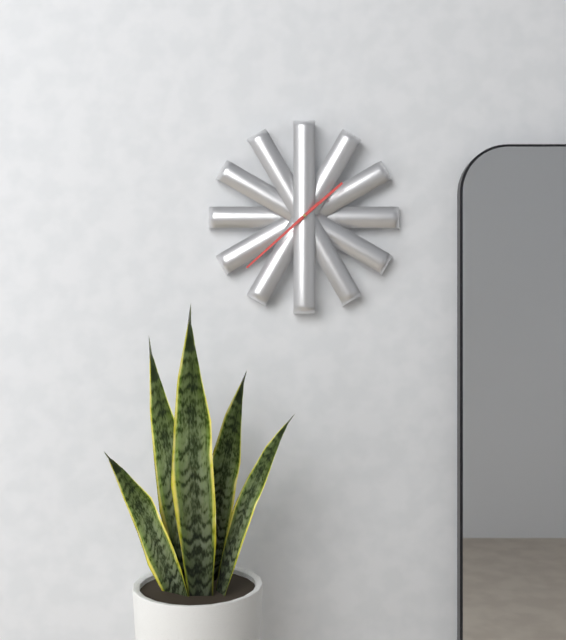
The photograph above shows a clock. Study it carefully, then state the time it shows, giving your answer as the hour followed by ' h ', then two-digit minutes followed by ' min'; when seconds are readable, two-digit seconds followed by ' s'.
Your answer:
1 h 38 min
